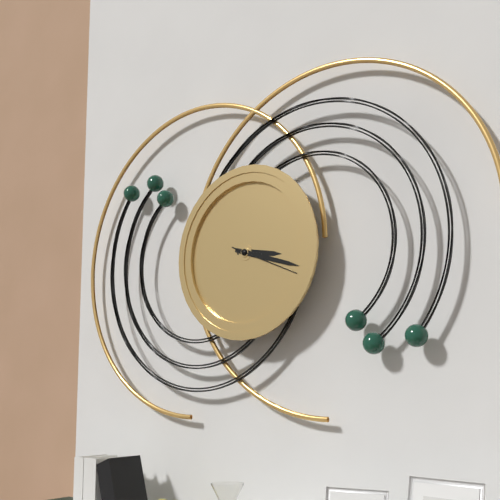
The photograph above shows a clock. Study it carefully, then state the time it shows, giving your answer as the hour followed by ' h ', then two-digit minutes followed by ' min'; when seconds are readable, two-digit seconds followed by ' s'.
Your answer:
3 h 18 min 19 s
